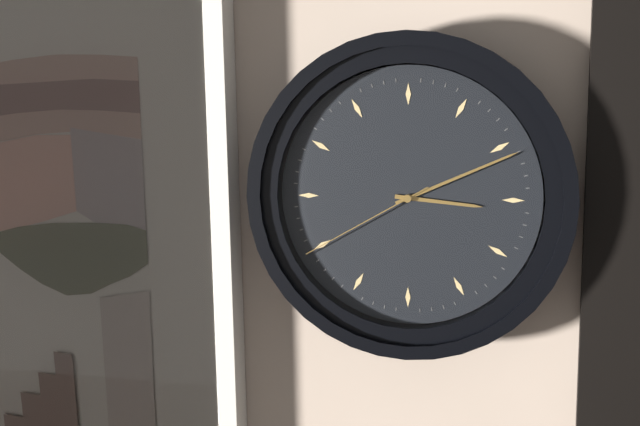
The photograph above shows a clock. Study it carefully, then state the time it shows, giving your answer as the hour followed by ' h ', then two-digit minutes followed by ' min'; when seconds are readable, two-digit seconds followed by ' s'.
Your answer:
3 h 11 min 40 s
